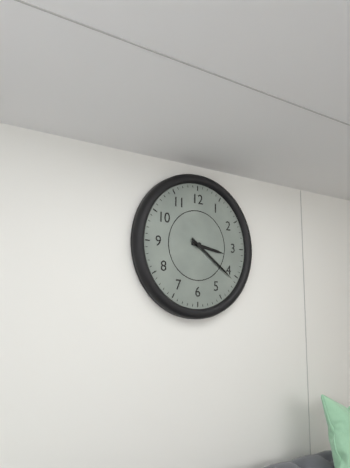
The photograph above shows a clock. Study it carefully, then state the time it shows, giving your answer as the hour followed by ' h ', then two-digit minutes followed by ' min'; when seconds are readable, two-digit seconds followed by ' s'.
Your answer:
3 h 21 min
